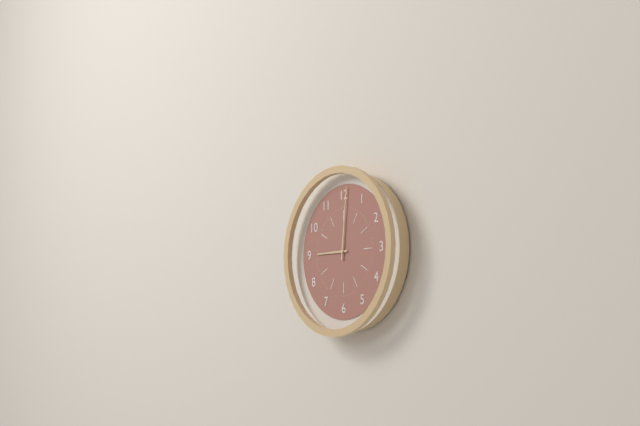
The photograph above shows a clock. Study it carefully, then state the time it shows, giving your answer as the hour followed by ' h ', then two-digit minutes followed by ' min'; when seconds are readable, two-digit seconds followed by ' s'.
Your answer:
9 h 01 min
